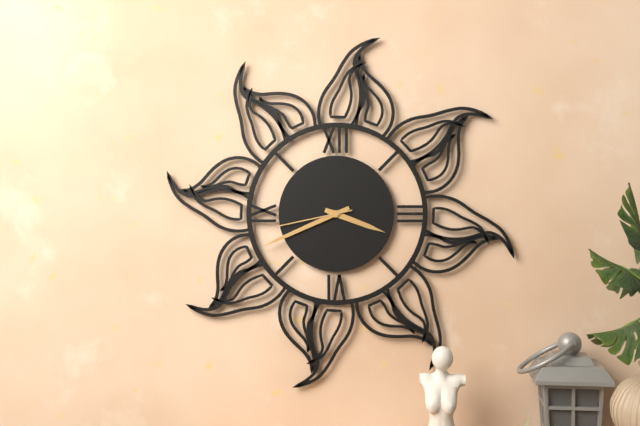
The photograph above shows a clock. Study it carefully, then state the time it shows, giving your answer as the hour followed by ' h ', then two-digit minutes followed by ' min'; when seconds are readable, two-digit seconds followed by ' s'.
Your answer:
3 h 41 min 43 s
